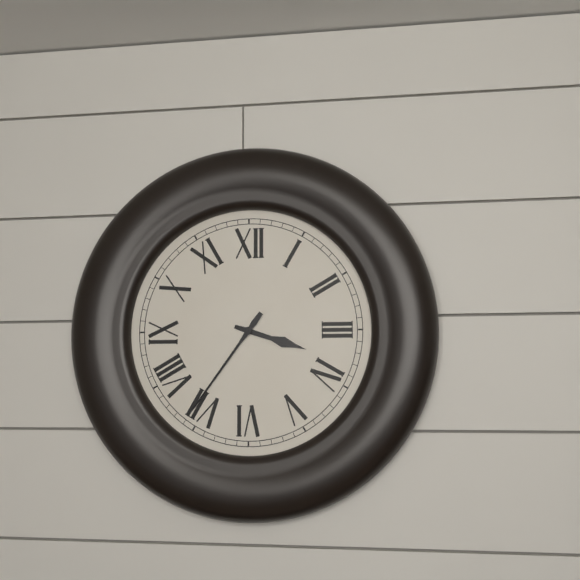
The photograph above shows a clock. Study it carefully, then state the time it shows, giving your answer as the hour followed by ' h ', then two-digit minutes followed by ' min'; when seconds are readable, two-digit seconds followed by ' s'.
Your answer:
3 h 36 min
